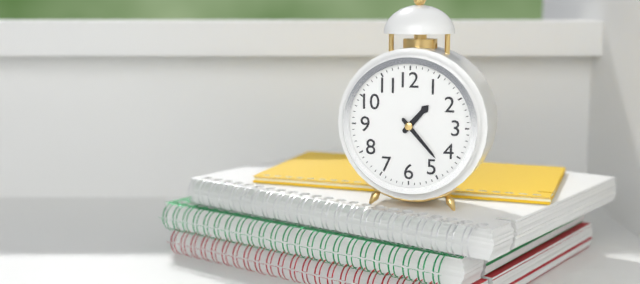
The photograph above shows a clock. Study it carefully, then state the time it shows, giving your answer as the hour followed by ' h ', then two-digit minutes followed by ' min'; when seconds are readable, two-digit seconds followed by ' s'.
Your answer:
1 h 23 min
